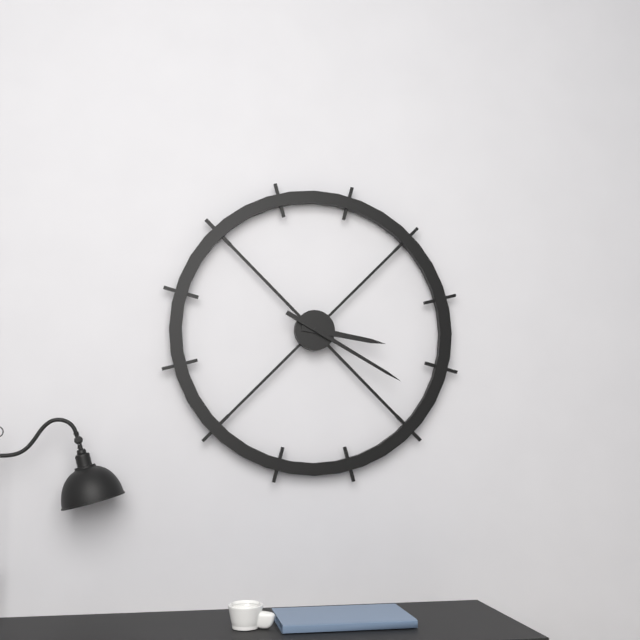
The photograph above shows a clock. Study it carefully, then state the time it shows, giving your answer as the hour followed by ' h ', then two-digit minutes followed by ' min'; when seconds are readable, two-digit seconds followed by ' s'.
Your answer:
3 h 20 min
